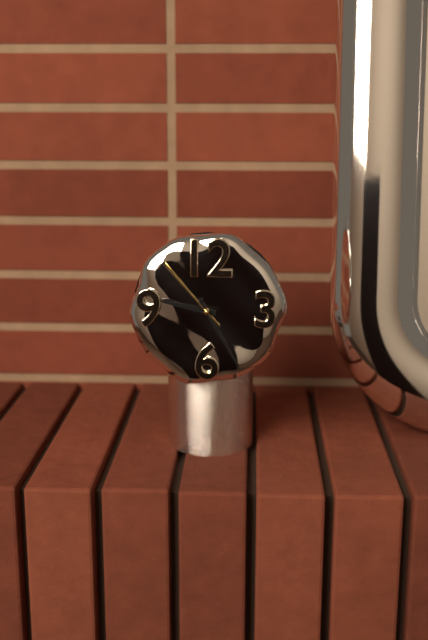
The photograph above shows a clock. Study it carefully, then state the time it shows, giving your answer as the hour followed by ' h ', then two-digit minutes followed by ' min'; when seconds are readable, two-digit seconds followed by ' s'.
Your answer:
9 h 25 min 53 s
